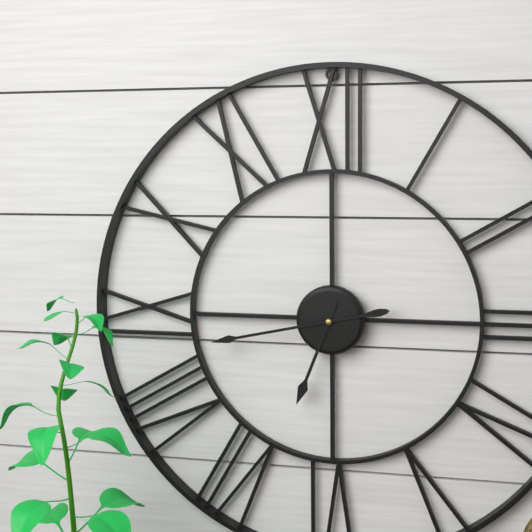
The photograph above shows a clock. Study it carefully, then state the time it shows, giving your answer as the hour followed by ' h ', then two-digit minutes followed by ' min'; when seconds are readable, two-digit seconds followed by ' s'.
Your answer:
6 h 43 min
